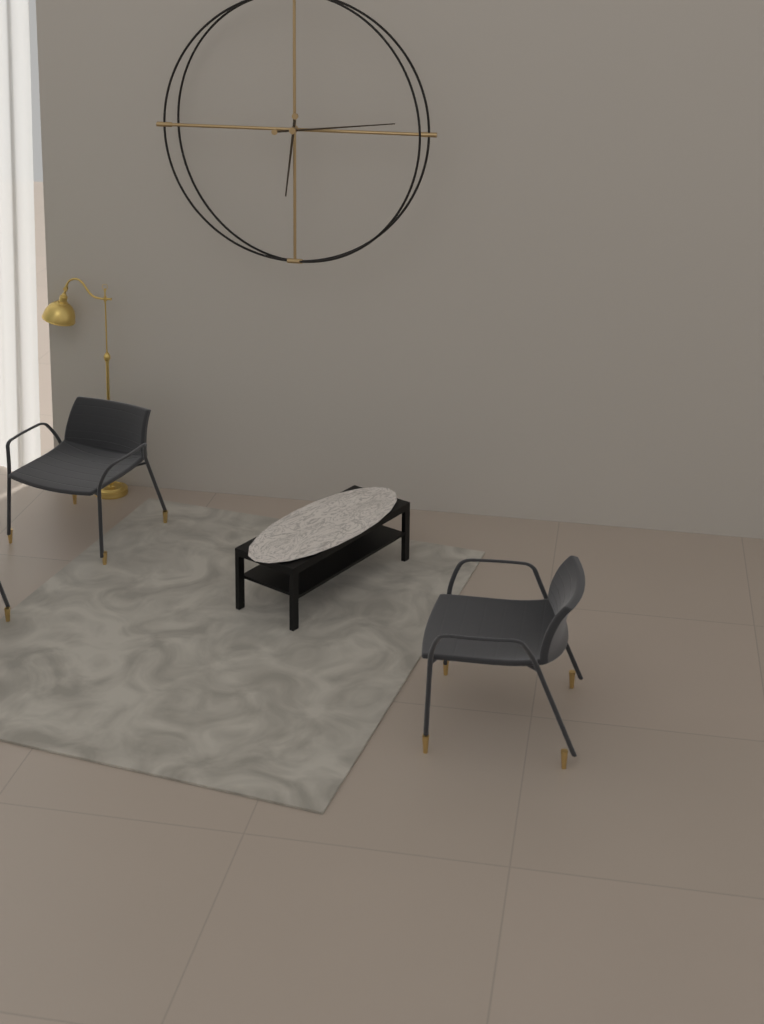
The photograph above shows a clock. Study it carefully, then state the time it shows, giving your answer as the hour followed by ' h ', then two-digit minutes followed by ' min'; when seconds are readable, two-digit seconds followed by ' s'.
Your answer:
6 h 14 min
